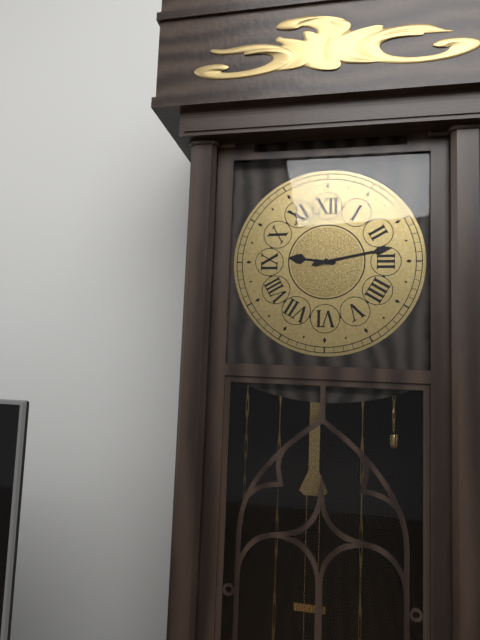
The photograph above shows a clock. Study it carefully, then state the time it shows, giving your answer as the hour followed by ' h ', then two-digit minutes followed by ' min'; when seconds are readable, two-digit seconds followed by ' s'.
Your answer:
9 h 13 min
